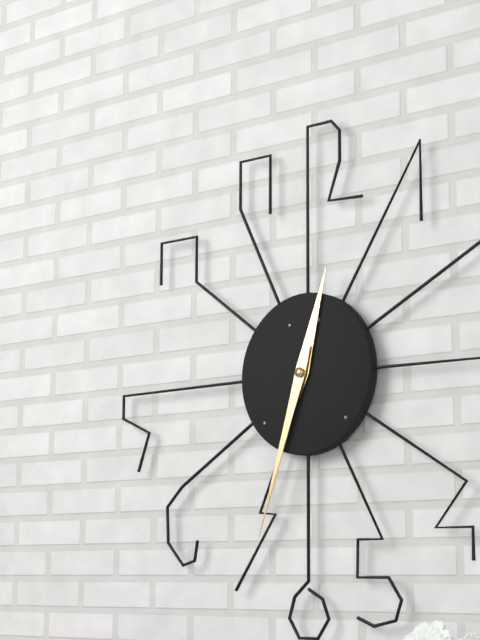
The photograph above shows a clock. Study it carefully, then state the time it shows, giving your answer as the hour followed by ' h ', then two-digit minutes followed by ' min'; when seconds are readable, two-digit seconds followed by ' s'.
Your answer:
12 h 33 min
